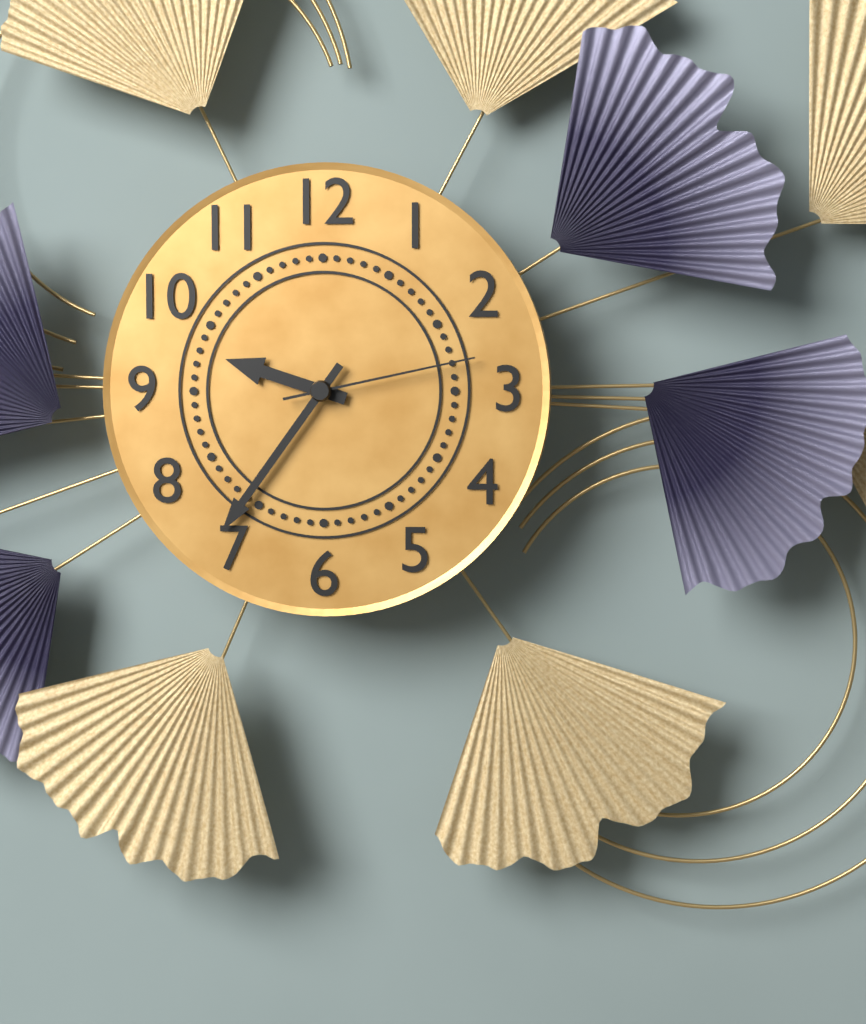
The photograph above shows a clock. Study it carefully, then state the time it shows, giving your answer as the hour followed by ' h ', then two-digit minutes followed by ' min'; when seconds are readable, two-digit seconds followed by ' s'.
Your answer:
9 h 36 min 13 s
